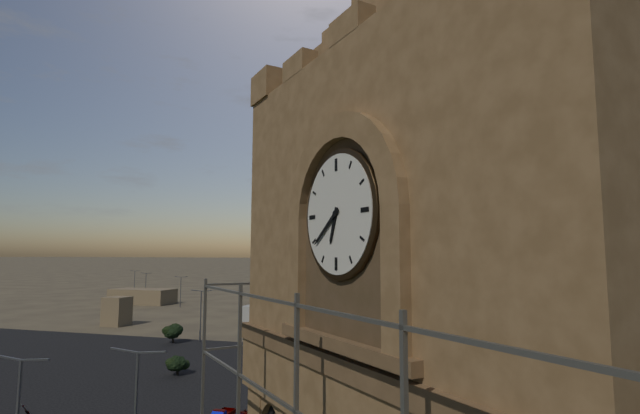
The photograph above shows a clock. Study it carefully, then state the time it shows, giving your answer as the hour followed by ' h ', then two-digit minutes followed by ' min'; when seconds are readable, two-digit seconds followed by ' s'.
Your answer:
6 h 39 min
